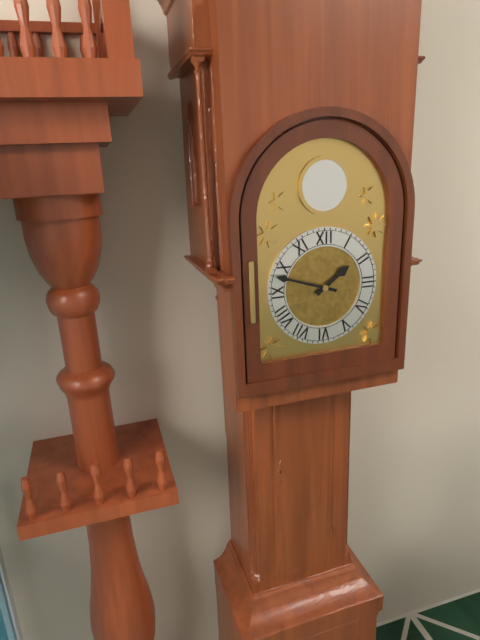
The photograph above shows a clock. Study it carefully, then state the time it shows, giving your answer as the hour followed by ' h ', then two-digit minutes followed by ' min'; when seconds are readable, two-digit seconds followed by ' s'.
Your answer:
1 h 48 min
